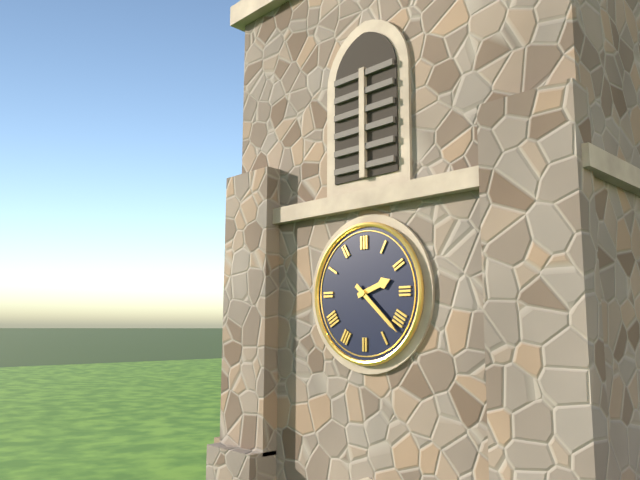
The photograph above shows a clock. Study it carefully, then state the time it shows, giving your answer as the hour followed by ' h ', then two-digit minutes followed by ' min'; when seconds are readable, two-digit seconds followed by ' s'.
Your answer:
2 h 22 min
